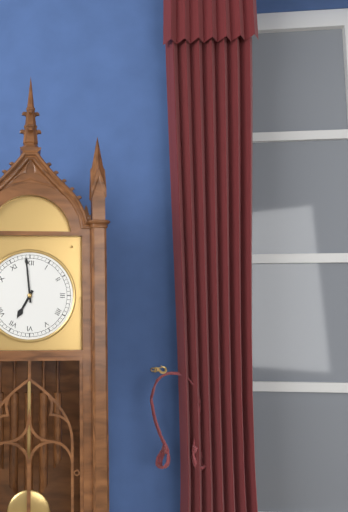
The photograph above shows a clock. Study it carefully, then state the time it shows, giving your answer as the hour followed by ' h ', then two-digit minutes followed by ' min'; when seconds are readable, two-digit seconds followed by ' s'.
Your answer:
6 h 59 min
